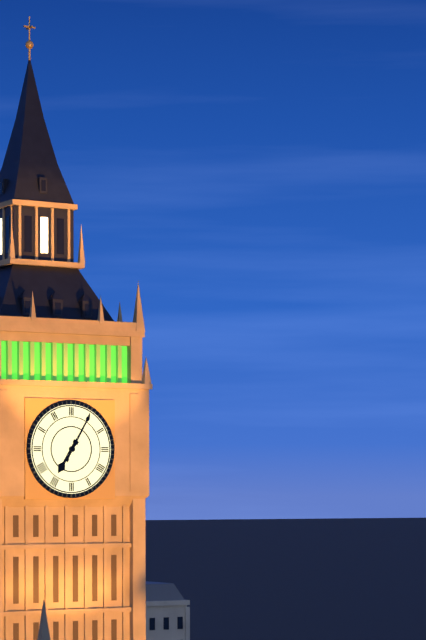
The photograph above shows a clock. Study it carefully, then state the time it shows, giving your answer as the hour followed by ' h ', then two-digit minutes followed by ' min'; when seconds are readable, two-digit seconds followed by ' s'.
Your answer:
7 h 05 min
